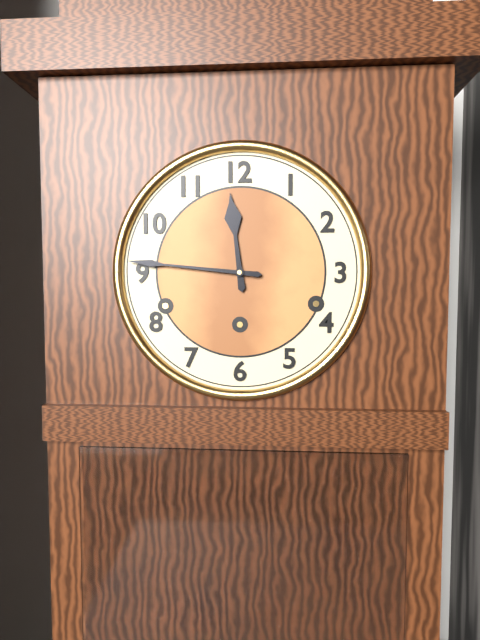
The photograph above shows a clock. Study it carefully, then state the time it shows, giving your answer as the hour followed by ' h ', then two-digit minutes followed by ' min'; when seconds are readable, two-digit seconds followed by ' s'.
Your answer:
11 h 46 min
